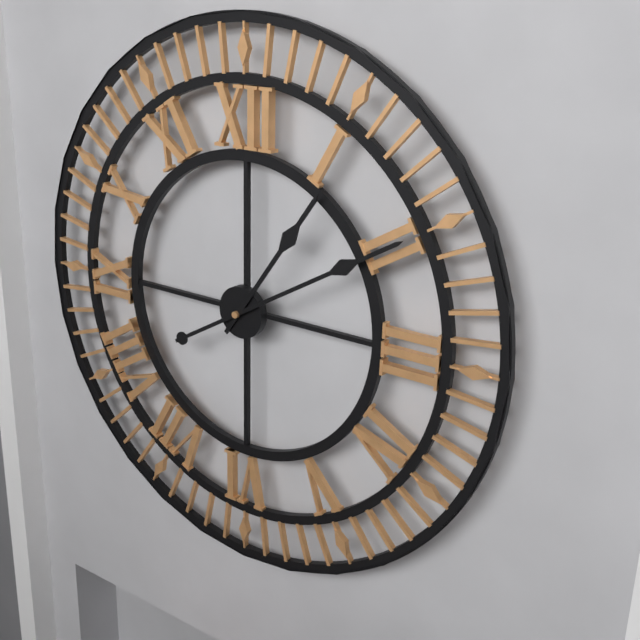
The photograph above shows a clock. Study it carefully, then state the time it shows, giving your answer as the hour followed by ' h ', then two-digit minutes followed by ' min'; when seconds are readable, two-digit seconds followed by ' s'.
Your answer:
1 h 10 min
